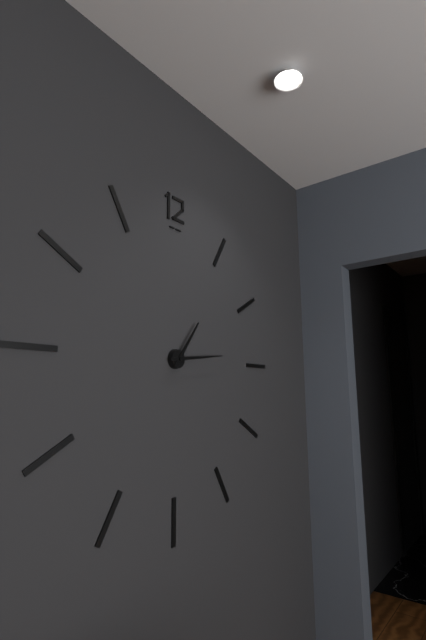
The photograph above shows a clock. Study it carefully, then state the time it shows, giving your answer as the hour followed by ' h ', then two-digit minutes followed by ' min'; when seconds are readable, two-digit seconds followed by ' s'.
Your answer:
1 h 14 min
